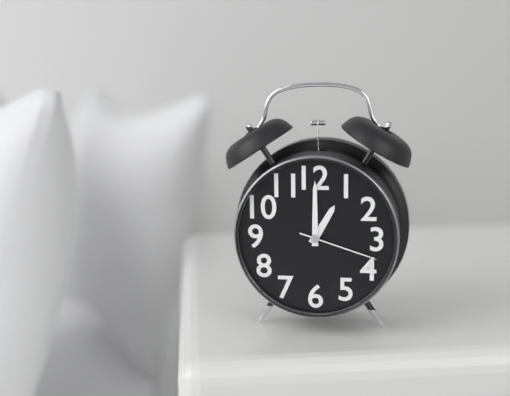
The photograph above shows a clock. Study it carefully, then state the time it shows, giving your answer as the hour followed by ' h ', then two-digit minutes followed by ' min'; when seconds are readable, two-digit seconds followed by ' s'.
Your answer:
1 h 00 min 18 s
